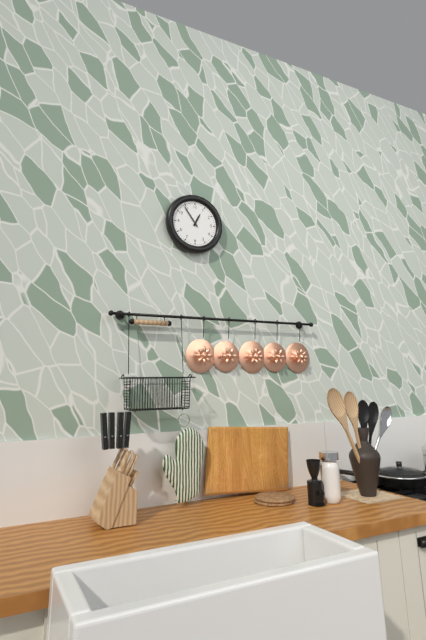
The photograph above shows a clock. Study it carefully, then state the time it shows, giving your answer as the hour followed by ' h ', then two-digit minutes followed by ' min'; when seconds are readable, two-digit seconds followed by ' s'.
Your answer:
12 h 54 min
